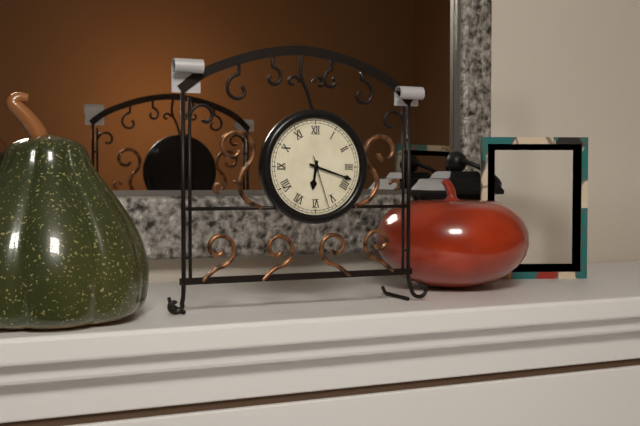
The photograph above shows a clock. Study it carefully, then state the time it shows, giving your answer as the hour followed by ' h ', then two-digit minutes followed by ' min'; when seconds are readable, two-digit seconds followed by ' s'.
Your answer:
6 h 18 min 27 s
